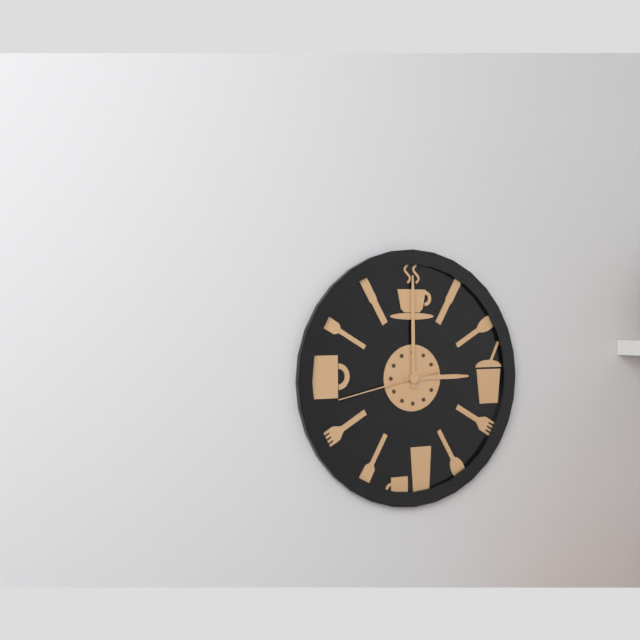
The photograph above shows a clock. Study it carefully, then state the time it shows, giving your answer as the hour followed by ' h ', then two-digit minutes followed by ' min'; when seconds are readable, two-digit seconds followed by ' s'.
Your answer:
3 h 00 min 43 s
